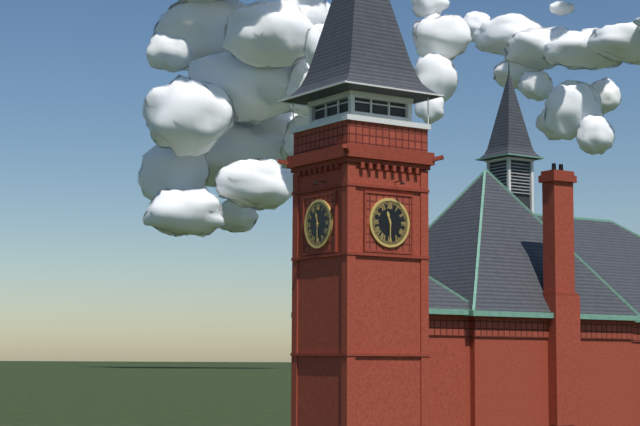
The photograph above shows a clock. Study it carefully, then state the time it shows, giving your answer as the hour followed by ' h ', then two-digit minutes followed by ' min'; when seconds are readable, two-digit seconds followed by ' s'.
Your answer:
11 h 30 min
